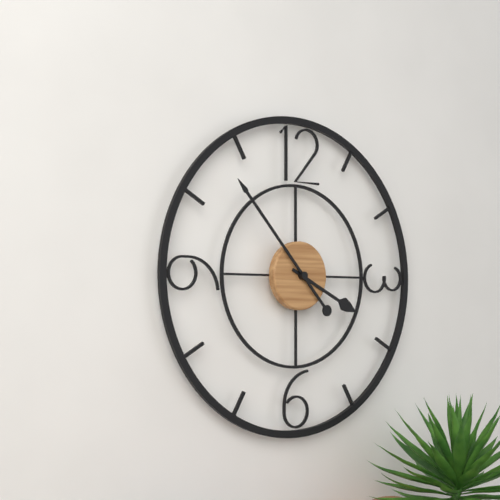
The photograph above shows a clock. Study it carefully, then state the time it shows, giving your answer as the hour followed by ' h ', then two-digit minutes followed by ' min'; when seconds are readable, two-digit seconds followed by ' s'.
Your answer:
3 h 53 min
